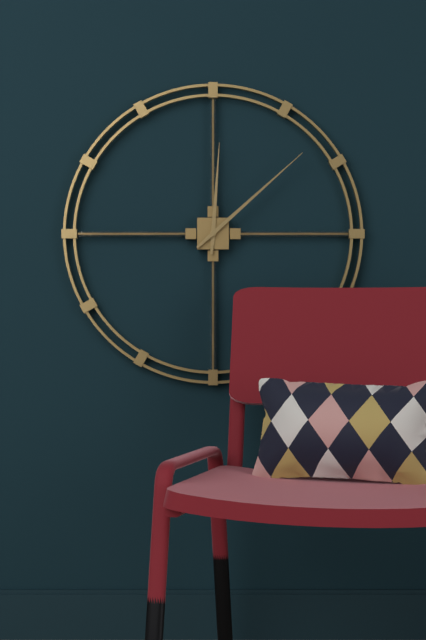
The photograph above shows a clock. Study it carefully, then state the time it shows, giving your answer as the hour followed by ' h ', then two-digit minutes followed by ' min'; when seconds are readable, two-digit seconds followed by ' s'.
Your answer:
12 h 08 min
